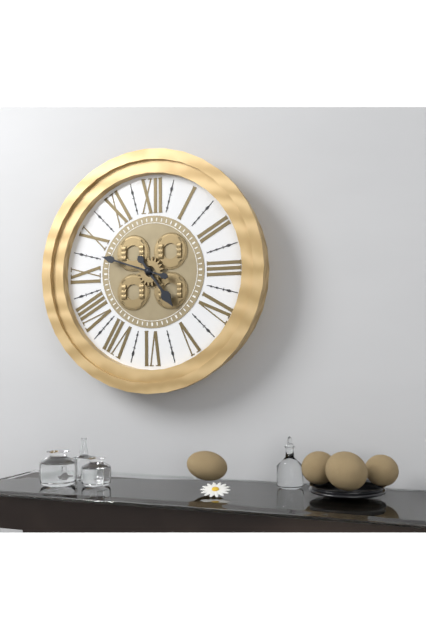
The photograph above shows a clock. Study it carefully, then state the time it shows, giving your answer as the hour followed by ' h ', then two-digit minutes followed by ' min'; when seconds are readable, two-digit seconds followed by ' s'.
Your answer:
4 h 48 min
